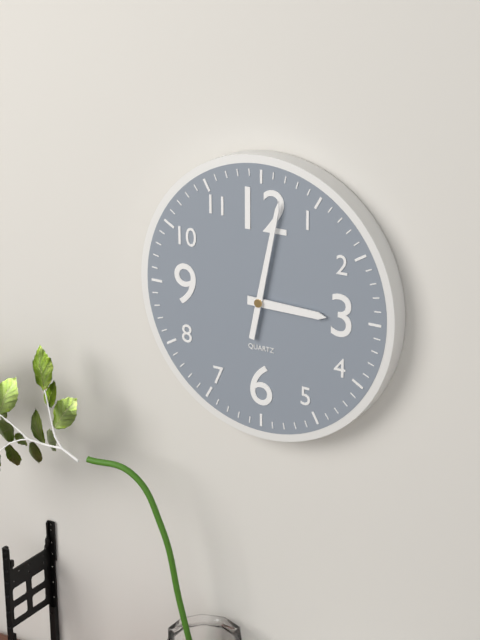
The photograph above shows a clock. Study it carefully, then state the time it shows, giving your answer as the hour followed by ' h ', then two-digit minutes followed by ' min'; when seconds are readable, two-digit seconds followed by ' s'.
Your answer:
3 h 02 min
